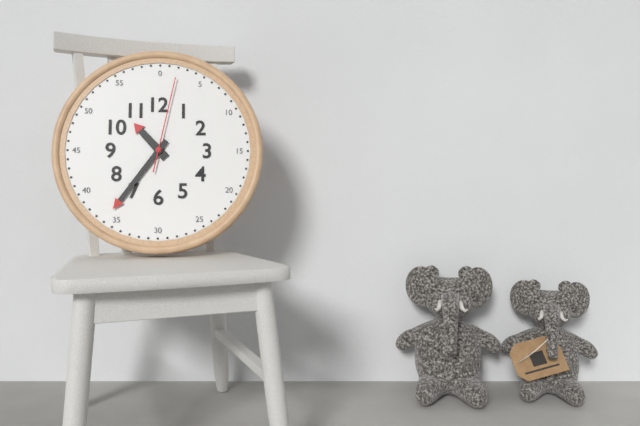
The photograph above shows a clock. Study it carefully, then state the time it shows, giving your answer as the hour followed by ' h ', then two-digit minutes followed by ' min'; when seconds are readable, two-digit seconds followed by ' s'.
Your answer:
10 h 36 min 02 s
